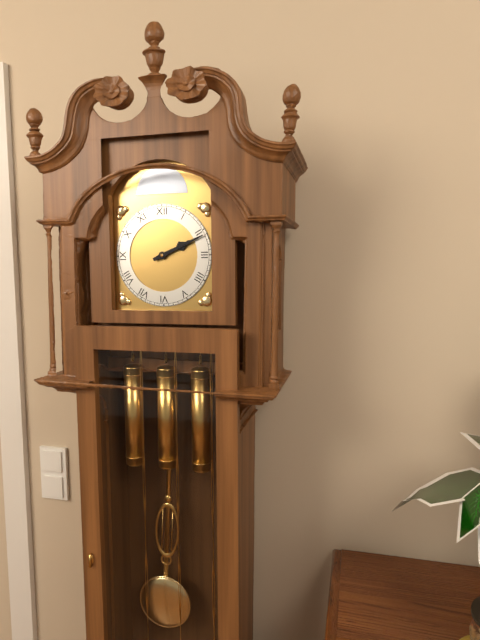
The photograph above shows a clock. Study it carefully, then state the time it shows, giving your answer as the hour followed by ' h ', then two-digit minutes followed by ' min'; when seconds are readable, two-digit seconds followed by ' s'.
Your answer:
2 h 11 min
